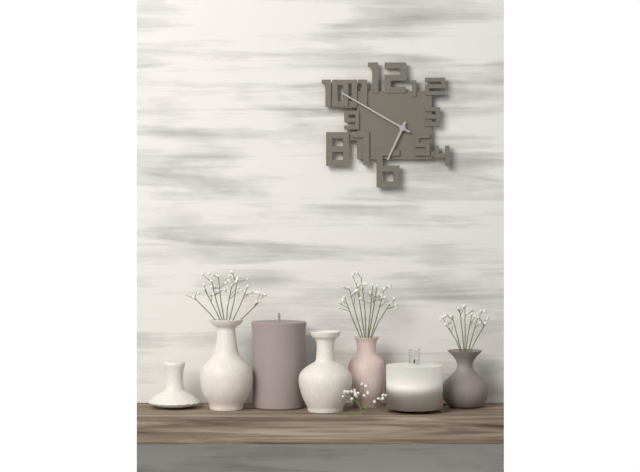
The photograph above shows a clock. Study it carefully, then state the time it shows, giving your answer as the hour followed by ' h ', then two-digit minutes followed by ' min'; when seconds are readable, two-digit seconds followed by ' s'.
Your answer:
6 h 50 min
